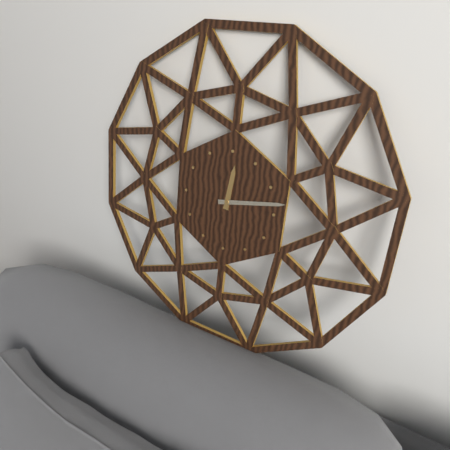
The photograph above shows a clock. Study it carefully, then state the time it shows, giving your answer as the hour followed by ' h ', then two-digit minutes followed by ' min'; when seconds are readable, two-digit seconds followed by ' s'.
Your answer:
12 h 13 min
